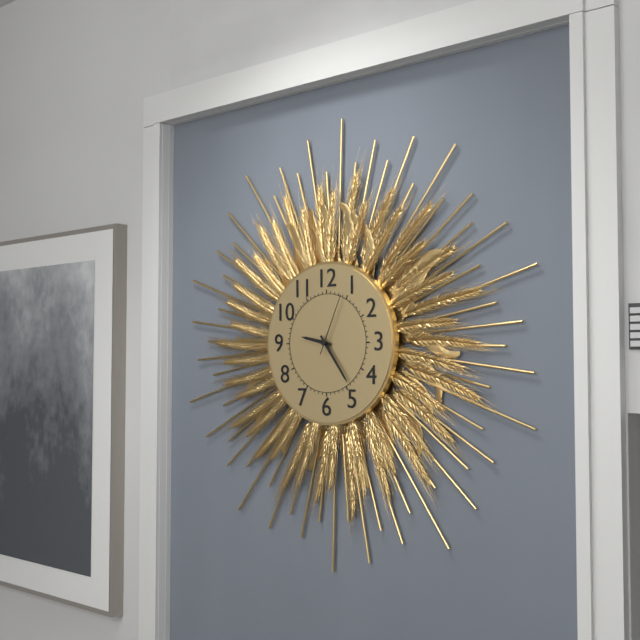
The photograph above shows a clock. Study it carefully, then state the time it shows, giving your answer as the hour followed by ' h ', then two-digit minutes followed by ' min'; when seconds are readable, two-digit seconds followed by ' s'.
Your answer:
9 h 24 min 04 s
